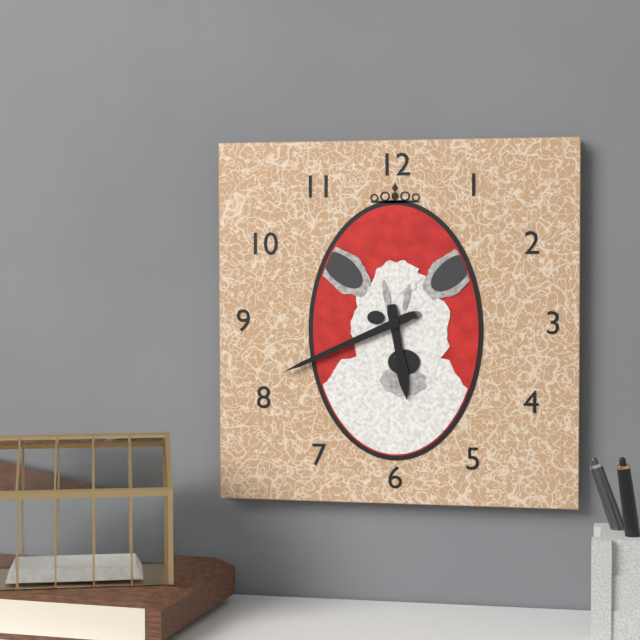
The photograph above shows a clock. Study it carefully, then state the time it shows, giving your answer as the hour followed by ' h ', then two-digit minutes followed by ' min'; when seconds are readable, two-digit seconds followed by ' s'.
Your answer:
5 h 41 min
